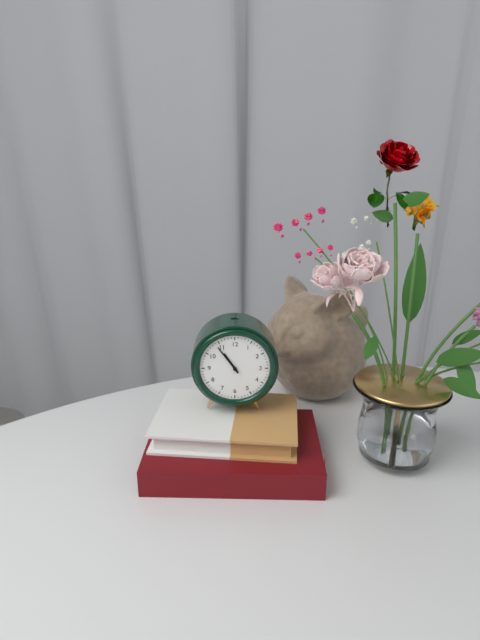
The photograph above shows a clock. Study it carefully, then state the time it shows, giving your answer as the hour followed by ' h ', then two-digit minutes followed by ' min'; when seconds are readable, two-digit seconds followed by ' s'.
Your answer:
10 h 54 min
